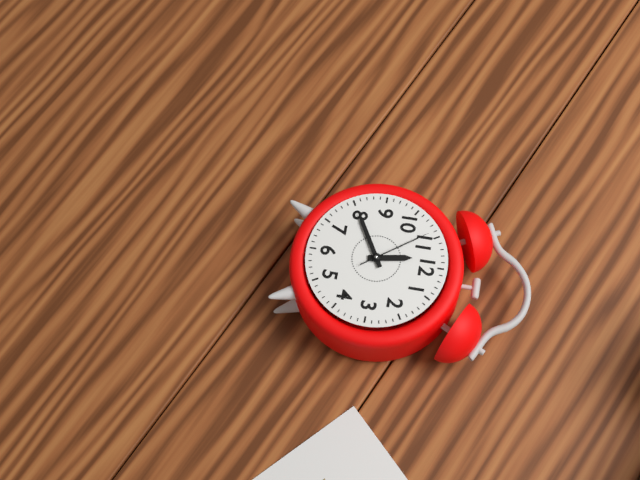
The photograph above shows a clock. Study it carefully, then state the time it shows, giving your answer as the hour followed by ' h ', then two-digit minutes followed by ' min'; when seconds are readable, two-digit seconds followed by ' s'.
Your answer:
11 h 40 min 54 s
